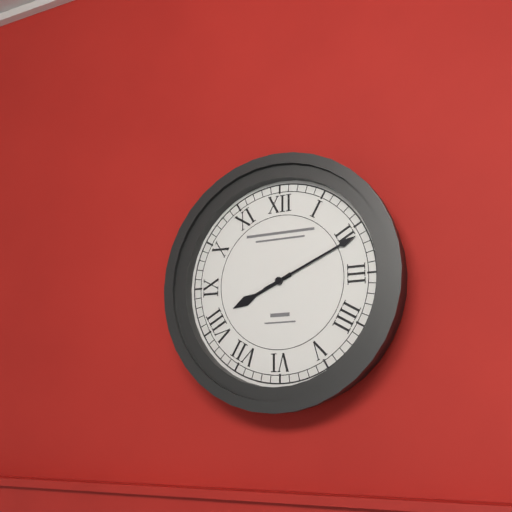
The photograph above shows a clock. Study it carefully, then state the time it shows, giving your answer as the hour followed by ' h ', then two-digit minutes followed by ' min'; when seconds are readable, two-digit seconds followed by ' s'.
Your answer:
8 h 11 min
